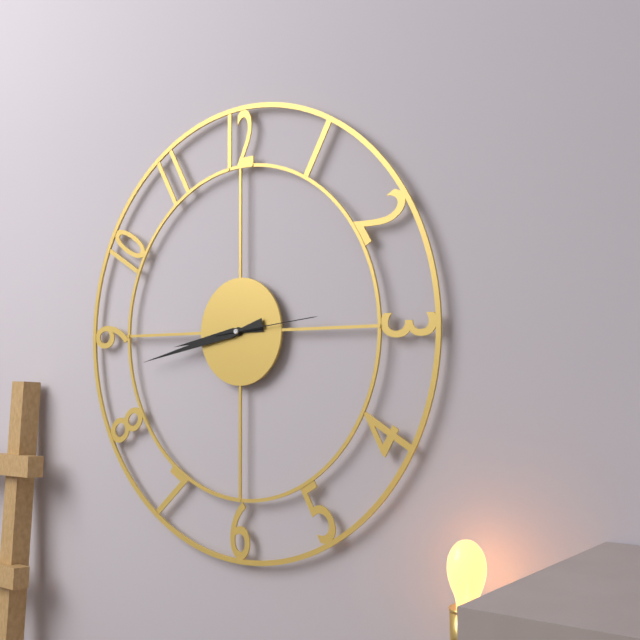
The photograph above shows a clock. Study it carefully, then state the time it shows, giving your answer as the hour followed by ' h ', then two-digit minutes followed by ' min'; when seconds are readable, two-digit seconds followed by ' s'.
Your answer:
8 h 43 min 14 s
